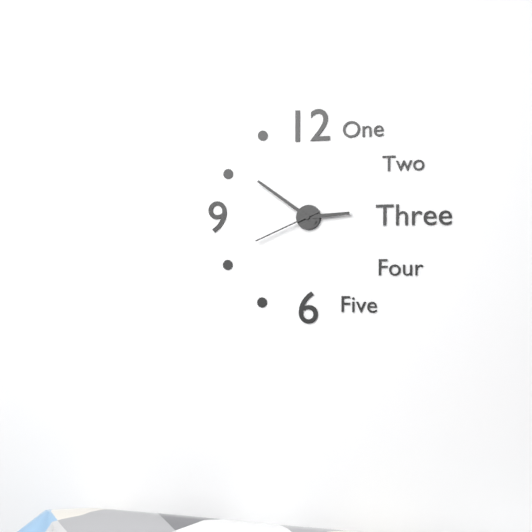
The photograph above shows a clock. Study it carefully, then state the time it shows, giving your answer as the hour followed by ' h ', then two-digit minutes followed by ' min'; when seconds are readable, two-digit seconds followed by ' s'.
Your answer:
2 h 51 min 41 s
